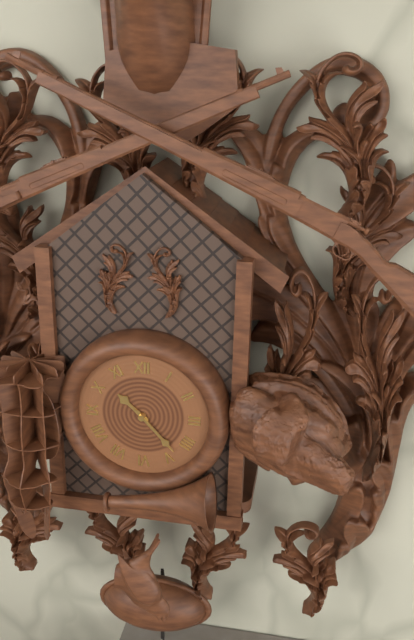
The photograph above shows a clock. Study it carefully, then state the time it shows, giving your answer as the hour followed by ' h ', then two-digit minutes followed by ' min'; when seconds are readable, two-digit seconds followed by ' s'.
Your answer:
10 h 23 min
